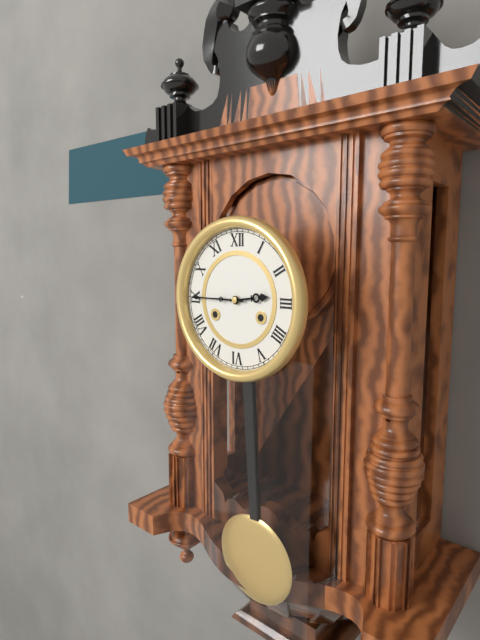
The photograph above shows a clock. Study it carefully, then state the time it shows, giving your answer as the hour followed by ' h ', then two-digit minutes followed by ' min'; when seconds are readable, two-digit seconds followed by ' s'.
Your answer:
2 h 45 min
